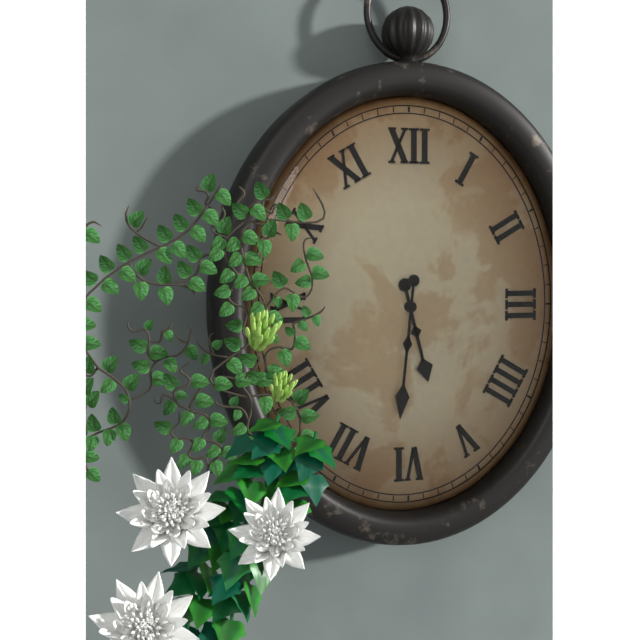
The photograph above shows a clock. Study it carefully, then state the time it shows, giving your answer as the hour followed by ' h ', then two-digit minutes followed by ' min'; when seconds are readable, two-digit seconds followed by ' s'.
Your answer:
5 h 31 min
